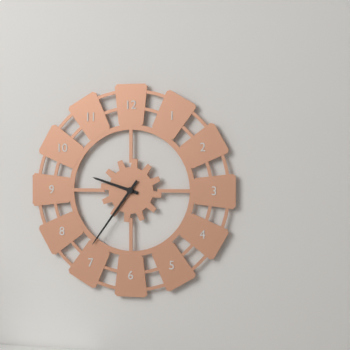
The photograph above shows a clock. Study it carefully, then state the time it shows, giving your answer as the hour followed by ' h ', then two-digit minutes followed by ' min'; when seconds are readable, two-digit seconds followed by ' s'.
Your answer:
9 h 36 min
